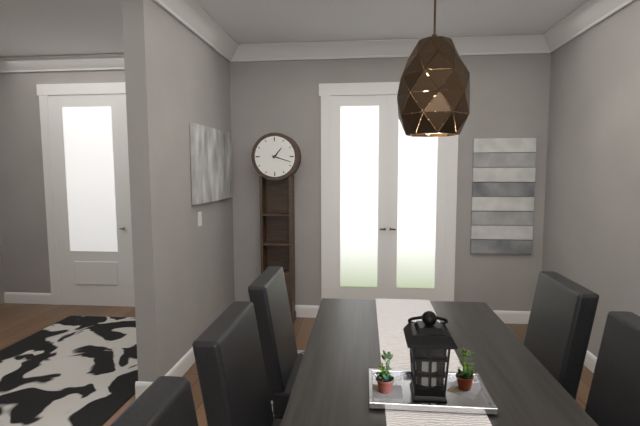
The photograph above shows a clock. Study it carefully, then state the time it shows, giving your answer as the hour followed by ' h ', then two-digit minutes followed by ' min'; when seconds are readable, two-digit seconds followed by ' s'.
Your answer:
1 h 18 min
